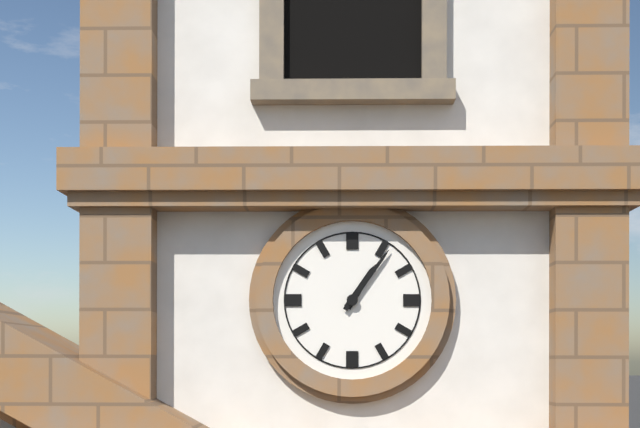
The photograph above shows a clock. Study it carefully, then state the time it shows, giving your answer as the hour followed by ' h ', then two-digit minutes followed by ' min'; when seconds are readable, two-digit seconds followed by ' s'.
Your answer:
1 h 06 min
